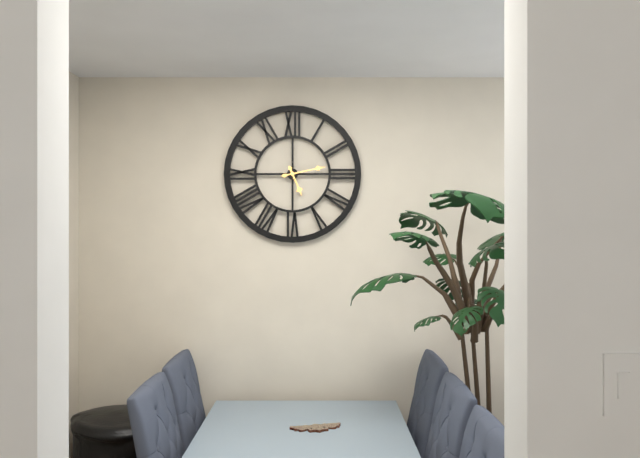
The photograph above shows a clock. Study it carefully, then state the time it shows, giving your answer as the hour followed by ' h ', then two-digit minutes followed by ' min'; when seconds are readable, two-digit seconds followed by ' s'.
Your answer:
5 h 13 min
